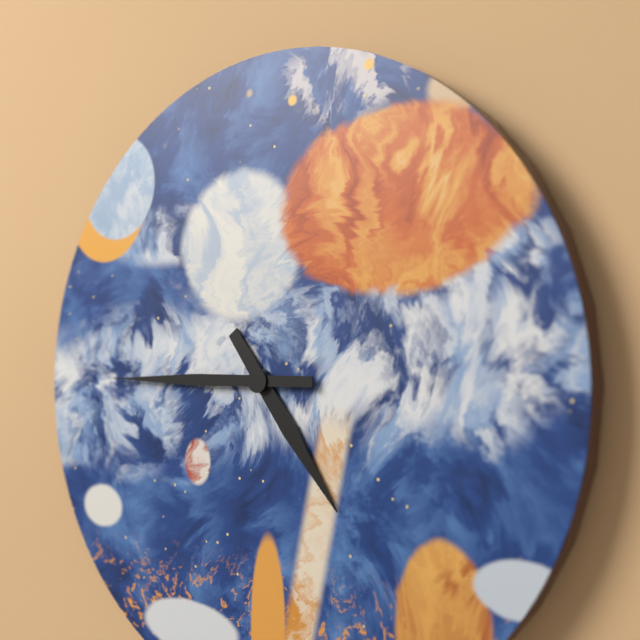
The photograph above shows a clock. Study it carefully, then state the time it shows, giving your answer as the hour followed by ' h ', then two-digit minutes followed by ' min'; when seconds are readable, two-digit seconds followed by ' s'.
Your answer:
4 h 45 min
